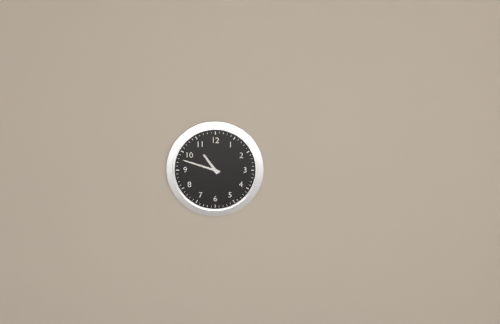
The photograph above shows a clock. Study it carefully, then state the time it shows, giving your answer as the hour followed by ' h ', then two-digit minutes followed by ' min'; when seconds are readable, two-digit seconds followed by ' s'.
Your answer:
10 h 48 min
